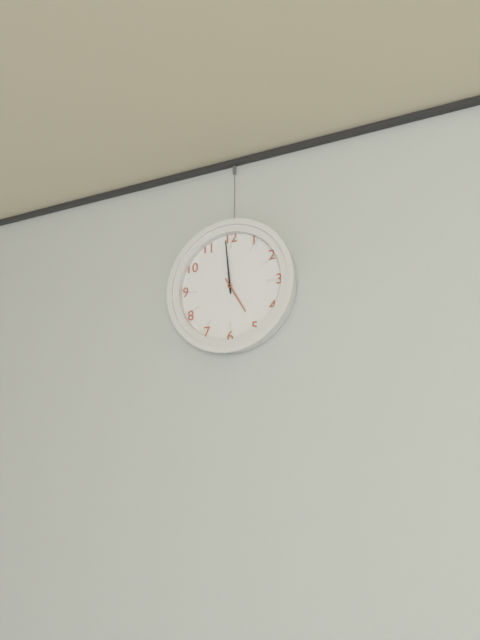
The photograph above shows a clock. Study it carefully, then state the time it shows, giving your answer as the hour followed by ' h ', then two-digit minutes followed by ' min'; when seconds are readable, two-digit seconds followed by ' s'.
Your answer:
4 h 59 min
